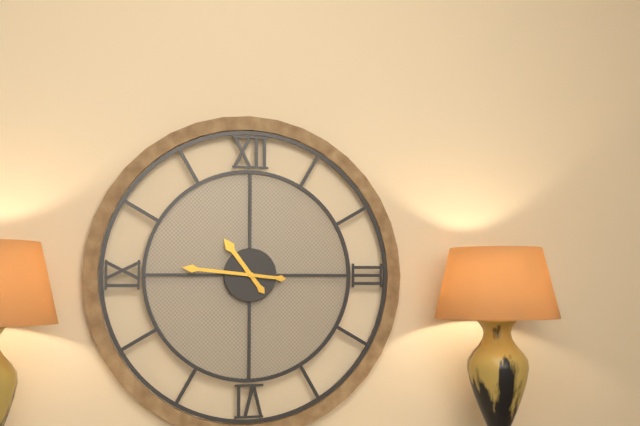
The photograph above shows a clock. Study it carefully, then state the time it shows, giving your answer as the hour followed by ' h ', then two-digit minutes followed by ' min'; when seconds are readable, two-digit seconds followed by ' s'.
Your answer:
10 h 46 min
